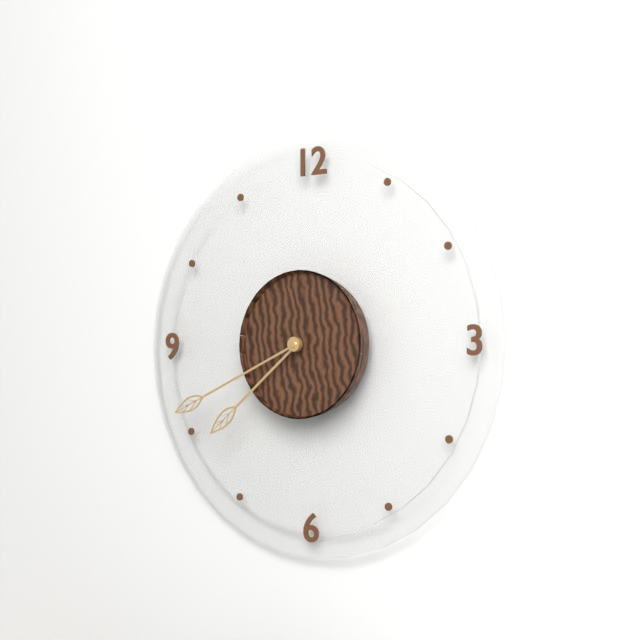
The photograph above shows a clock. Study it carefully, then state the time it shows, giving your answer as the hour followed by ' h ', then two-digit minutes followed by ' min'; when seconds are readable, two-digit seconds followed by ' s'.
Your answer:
7 h 41 min
